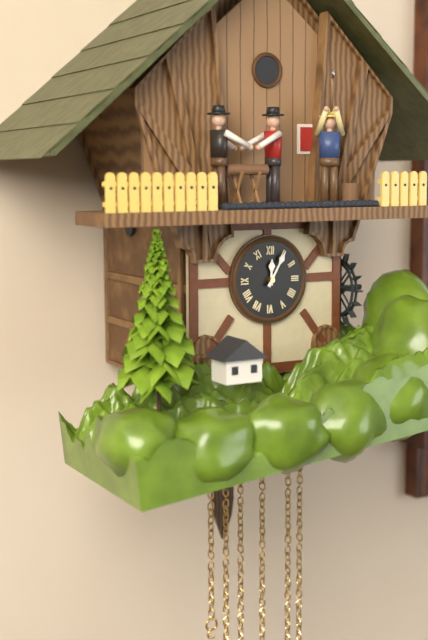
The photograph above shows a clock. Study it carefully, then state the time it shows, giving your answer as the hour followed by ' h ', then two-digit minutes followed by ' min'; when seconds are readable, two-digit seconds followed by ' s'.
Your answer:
12 h 05 min
